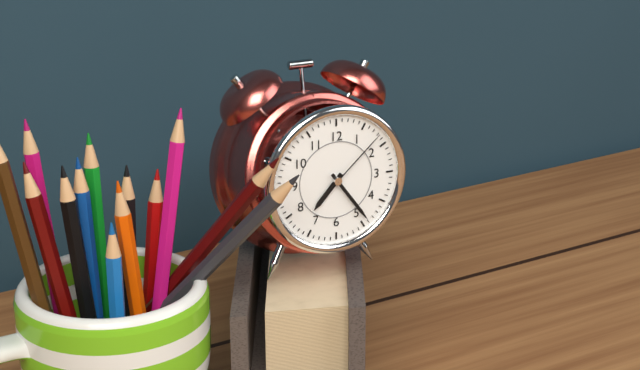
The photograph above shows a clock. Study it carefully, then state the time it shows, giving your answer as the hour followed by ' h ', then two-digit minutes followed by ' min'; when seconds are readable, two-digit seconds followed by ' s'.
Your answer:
7 h 24 min 08 s
